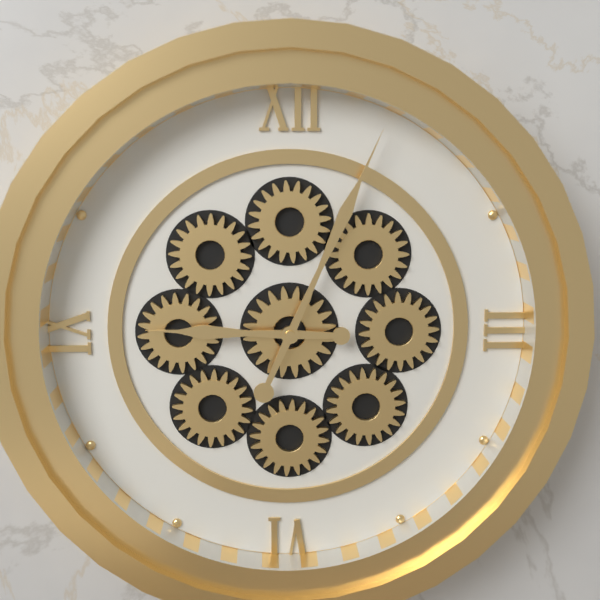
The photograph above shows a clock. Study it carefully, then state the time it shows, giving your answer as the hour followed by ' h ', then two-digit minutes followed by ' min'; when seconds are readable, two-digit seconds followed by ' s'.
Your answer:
9 h 04 min
